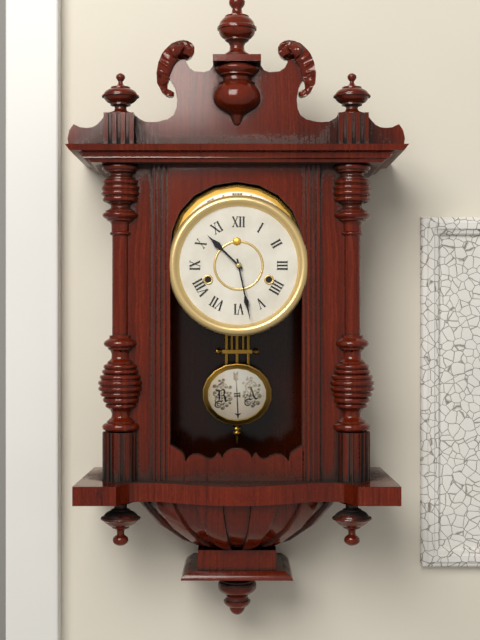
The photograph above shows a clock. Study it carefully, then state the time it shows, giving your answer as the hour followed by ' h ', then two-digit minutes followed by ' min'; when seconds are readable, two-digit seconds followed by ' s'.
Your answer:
10 h 28 min
